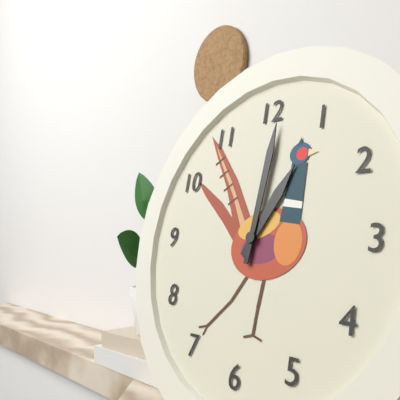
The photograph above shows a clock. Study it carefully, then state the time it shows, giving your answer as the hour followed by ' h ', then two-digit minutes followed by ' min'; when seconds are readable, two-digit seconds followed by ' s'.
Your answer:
1 h 01 min
